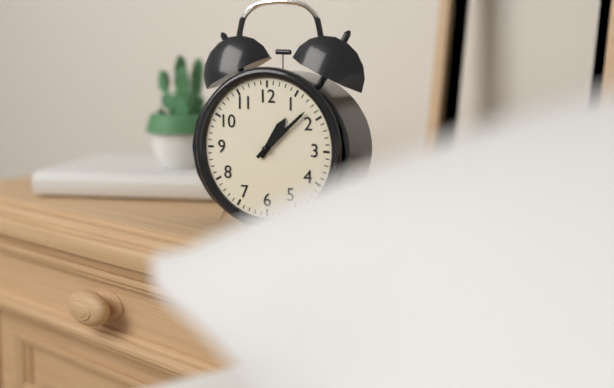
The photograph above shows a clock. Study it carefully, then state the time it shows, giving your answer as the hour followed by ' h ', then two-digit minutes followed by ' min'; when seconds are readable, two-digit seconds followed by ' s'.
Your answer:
1 h 08 min
